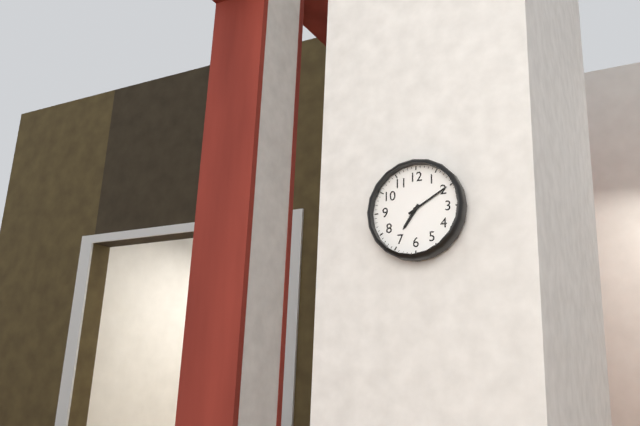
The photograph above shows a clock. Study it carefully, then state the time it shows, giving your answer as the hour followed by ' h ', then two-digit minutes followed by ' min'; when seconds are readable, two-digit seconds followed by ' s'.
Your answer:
7 h 10 min
